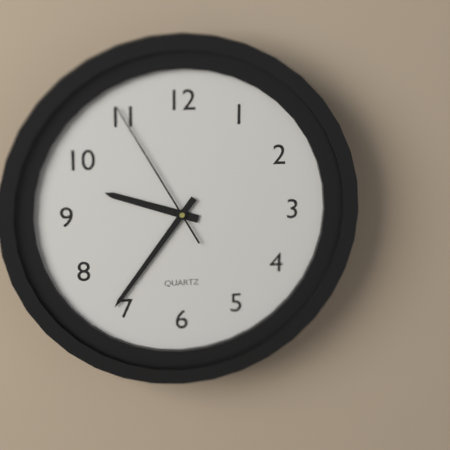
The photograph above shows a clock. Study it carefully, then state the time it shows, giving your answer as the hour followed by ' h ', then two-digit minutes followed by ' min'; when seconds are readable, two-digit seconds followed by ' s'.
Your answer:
9 h 36 min 55 s
